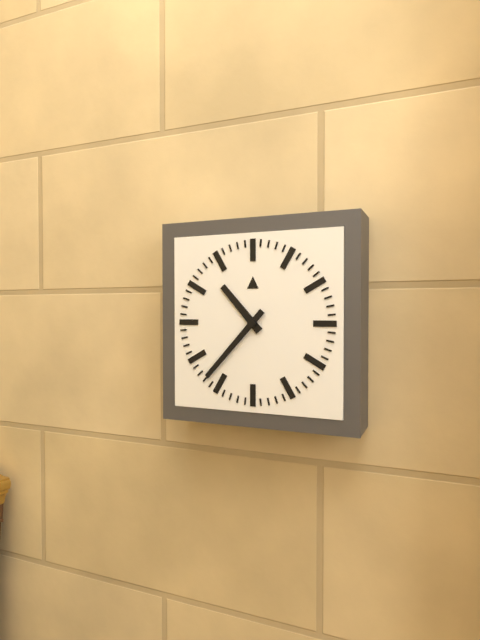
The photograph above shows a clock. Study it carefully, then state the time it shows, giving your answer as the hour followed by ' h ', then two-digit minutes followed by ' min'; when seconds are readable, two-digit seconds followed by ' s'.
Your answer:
10 h 37 min
